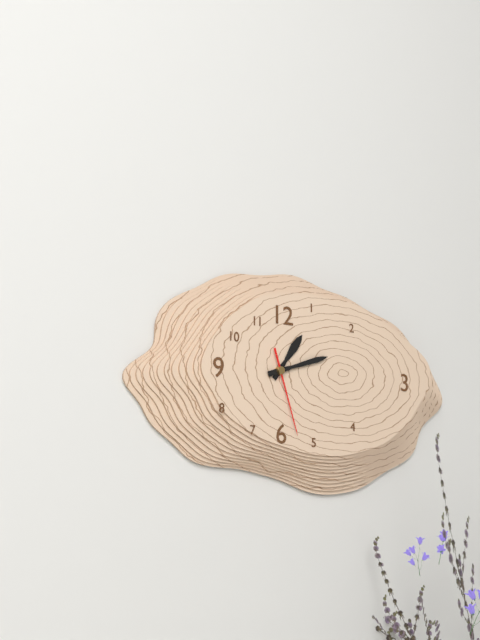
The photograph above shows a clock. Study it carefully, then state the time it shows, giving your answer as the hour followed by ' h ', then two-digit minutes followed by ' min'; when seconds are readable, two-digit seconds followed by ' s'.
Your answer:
1 h 12 min 27 s
